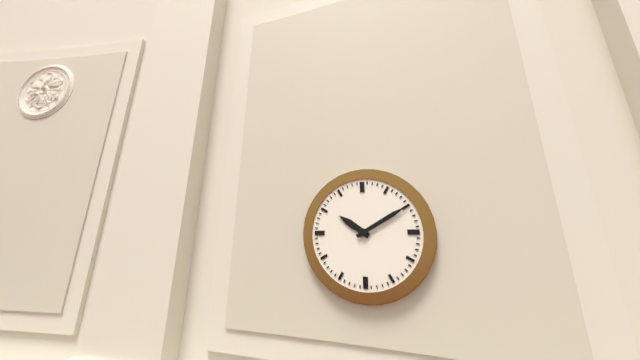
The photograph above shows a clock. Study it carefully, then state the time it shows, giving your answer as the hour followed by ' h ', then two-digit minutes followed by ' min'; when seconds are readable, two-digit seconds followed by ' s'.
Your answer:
10 h 10 min
